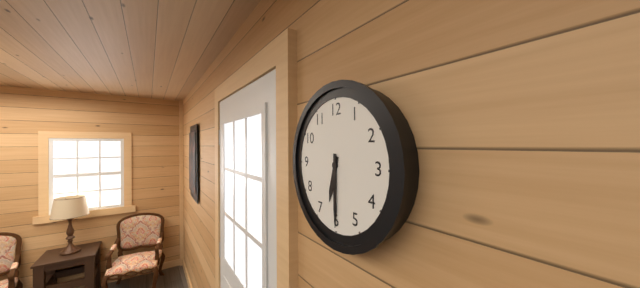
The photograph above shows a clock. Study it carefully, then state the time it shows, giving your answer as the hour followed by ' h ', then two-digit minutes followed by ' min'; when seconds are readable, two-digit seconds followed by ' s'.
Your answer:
6 h 30 min
